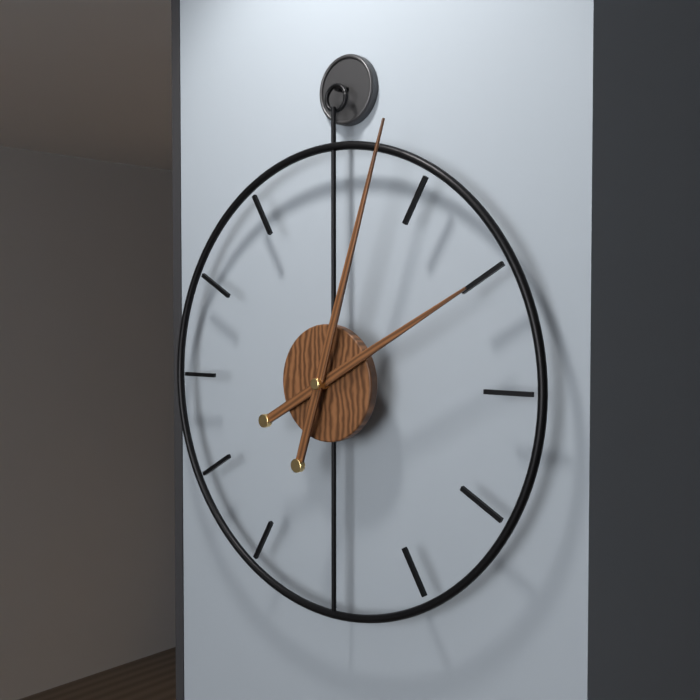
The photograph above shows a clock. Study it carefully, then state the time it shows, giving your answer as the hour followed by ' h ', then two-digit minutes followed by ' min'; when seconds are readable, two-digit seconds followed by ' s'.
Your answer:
2 h 03 min
